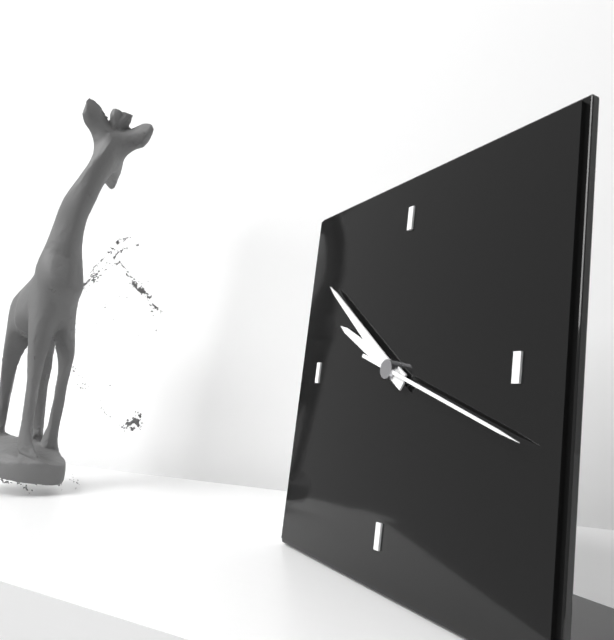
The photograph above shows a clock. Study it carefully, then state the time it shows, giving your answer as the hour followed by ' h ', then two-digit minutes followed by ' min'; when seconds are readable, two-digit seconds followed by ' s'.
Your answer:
9 h 51 min 18 s
